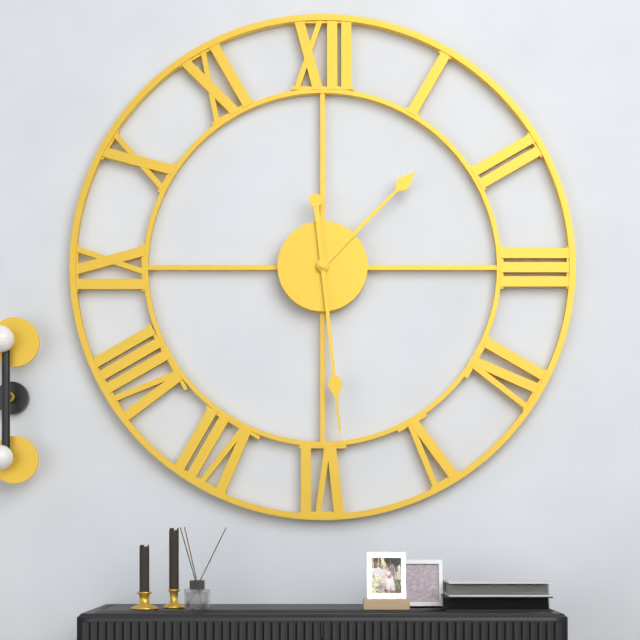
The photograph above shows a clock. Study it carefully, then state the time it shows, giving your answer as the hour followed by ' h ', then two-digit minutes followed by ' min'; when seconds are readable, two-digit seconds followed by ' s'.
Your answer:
1 h 29 min
